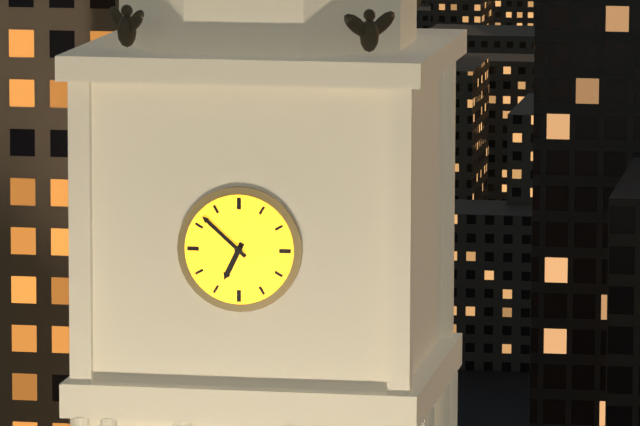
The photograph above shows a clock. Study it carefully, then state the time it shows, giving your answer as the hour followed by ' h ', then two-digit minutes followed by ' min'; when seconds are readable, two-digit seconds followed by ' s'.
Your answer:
6 h 52 min
